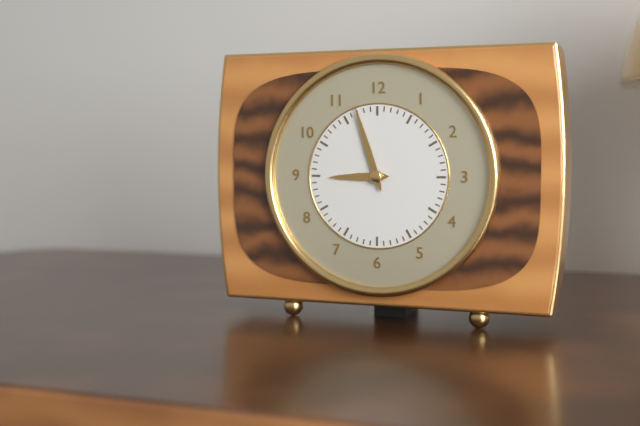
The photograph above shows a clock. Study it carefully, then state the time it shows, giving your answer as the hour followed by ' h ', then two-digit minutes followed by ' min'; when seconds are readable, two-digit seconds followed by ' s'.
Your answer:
8 h 57 min
